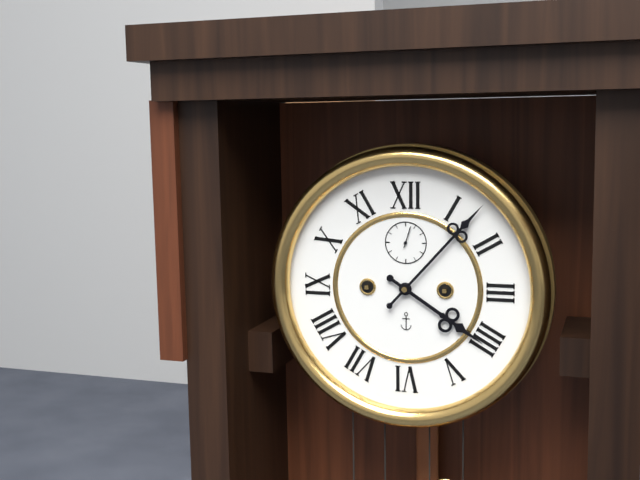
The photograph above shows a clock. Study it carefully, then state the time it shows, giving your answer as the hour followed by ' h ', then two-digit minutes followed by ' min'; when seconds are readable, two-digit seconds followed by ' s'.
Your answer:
4 h 07 min
